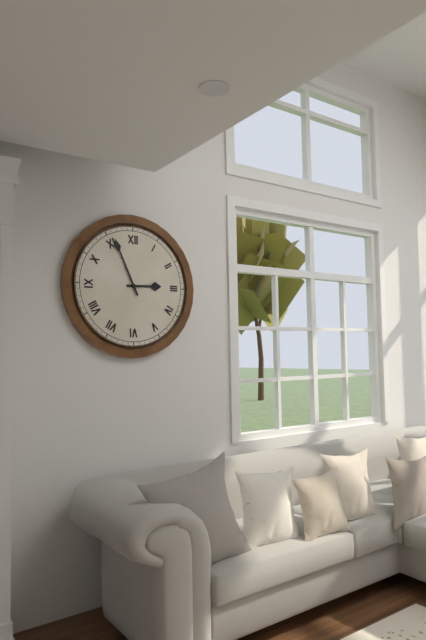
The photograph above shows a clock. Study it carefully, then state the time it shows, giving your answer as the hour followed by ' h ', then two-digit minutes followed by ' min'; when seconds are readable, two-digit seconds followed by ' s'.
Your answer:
2 h 56 min
